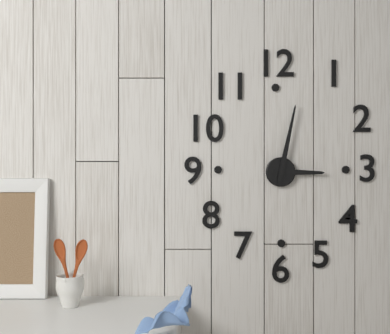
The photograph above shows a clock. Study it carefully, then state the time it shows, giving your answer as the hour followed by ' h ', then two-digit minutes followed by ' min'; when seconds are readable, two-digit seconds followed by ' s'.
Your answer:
3 h 02 min
